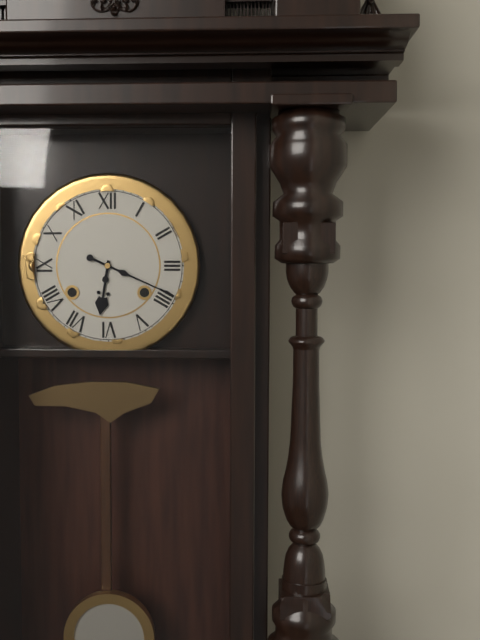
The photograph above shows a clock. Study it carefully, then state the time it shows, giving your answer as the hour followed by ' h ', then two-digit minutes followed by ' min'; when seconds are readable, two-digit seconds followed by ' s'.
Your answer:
6 h 19 min
